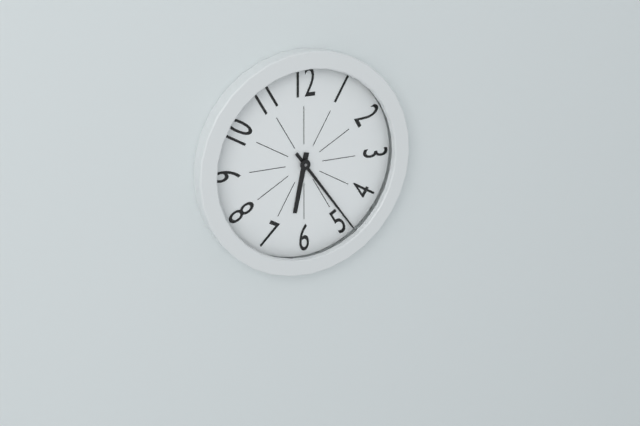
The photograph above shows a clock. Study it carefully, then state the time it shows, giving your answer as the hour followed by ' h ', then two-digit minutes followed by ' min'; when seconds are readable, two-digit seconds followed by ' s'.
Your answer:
6 h 24 min
